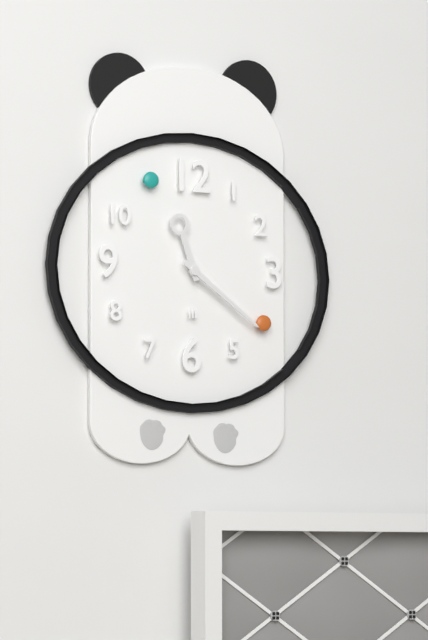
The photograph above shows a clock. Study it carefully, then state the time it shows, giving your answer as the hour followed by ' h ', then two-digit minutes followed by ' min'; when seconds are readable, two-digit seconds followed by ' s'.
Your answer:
11 h 21 min
